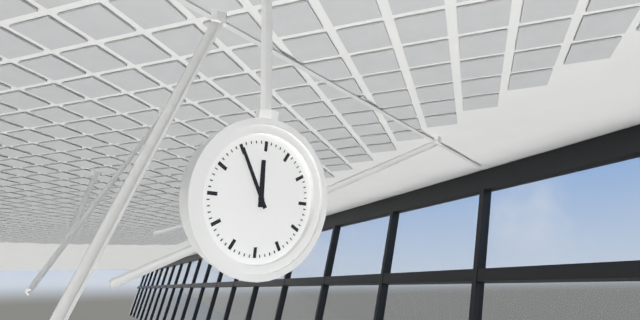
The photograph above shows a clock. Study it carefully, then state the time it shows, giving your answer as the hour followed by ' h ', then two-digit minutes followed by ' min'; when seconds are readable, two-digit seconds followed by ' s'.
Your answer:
11 h 55 min
